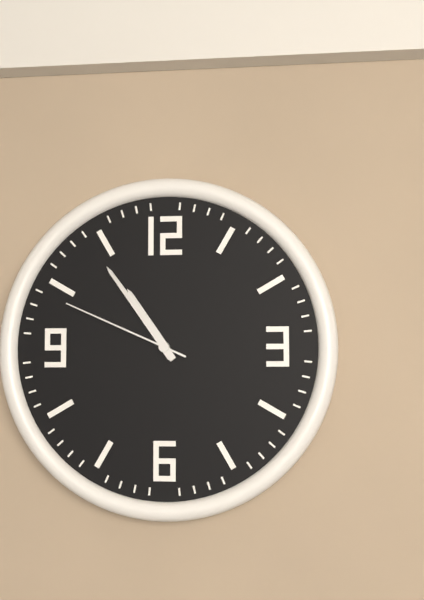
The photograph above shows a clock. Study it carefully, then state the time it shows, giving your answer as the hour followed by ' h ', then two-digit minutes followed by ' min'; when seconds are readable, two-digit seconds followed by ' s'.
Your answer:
10 h 54 min 49 s
